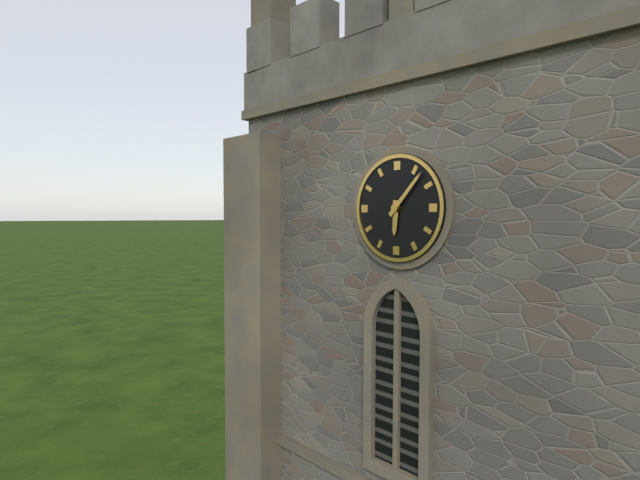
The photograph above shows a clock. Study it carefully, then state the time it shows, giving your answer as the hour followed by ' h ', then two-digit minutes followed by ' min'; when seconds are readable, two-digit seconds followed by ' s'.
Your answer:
6 h 07 min
